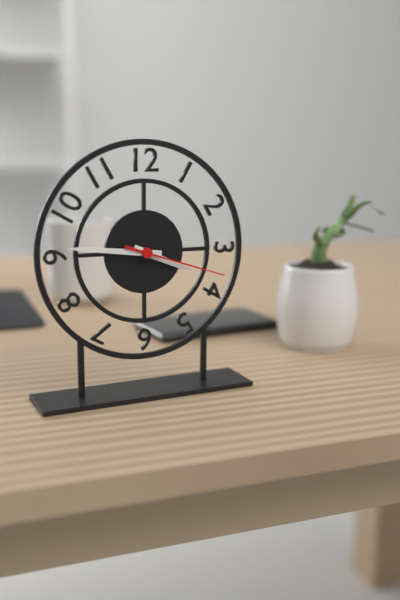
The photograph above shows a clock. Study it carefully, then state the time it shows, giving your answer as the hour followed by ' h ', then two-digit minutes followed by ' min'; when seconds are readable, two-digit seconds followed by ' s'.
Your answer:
3 h 46 min 18 s
